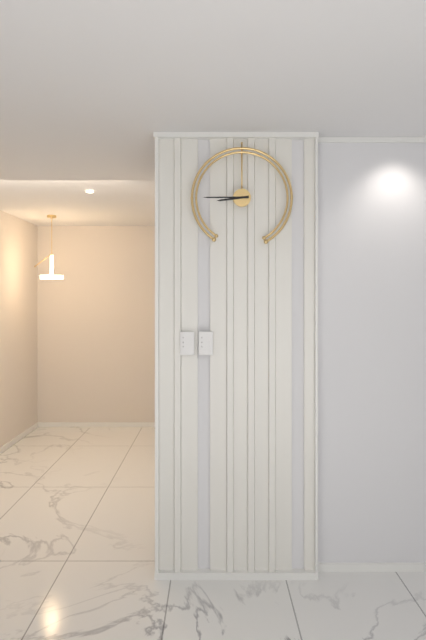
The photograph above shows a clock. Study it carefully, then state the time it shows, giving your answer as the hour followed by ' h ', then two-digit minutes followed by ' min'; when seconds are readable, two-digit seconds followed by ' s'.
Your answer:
8 h 45 min
